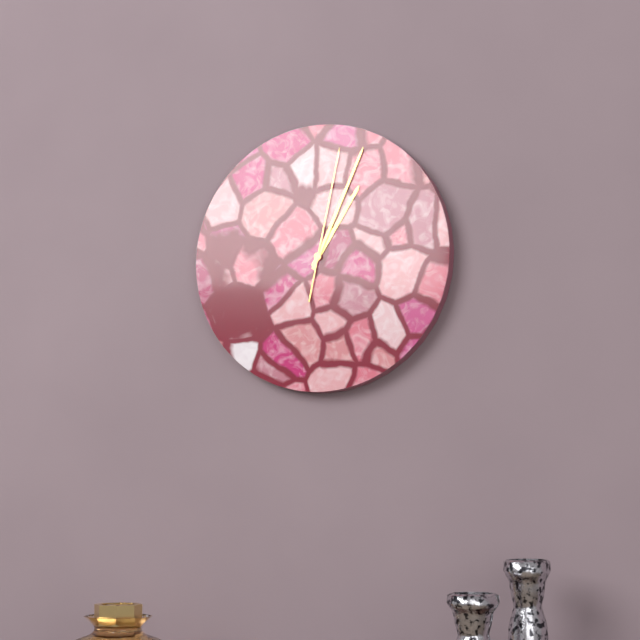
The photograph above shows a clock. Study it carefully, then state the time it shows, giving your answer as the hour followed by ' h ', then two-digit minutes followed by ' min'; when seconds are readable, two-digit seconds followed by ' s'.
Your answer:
1 h 04 min 02 s
